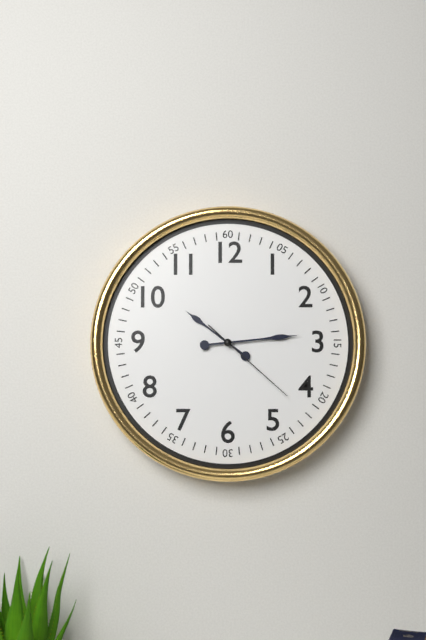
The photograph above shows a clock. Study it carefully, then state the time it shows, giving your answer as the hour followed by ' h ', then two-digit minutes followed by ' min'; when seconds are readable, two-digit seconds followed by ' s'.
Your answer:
10 h 14 min 22 s
